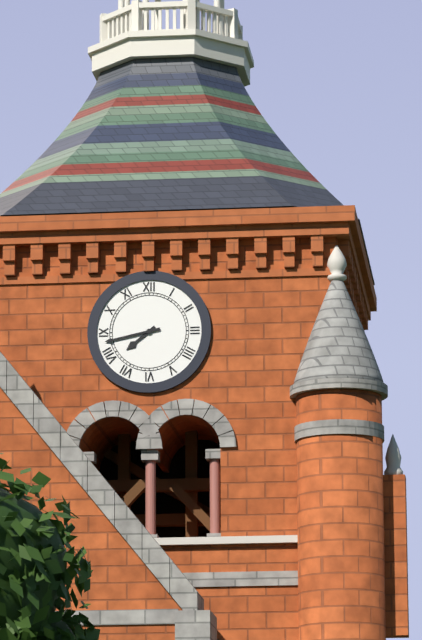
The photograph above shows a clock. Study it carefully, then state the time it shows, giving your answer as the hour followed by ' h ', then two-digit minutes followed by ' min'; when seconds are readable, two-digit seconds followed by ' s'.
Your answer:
7 h 43 min
